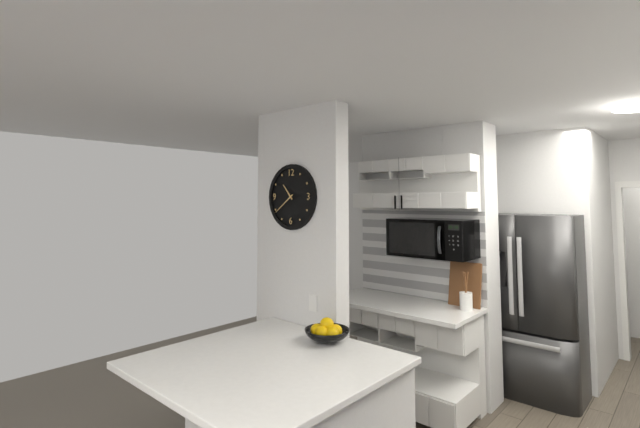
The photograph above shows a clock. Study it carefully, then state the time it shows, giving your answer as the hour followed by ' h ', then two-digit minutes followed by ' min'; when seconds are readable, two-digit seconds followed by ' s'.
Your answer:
10 h 39 min
